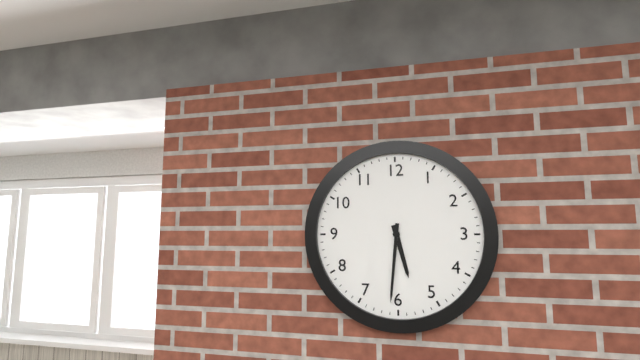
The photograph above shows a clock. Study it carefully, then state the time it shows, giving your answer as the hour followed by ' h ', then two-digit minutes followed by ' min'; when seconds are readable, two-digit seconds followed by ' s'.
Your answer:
5 h 31 min
